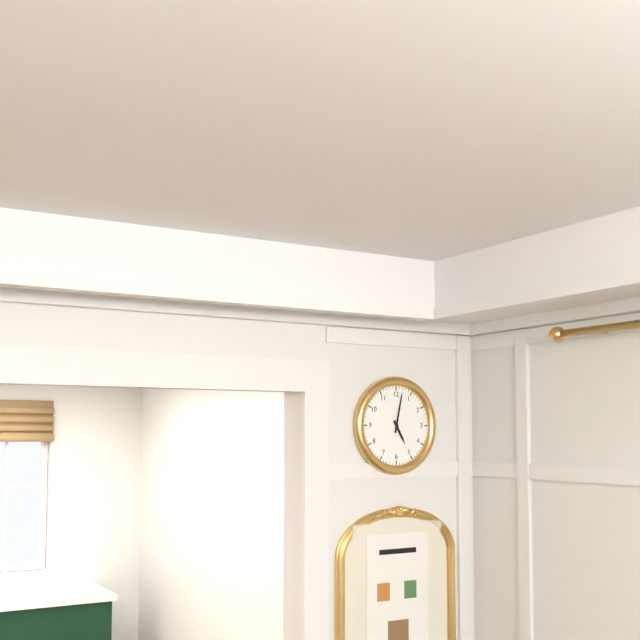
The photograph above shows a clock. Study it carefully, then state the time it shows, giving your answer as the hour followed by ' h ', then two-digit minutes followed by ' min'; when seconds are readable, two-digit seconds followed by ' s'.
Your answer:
5 h 02 min
